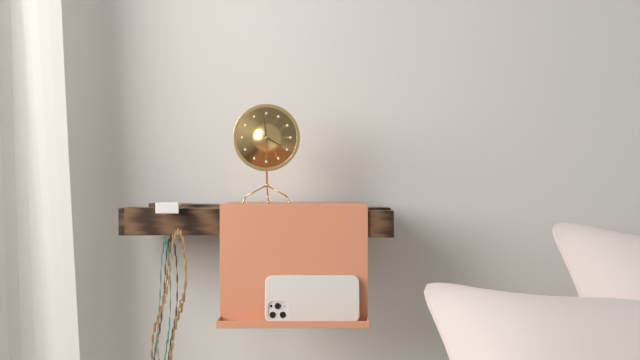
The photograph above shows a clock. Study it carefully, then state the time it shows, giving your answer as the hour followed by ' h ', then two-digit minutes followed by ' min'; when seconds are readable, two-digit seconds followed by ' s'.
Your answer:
3 h 59 min
